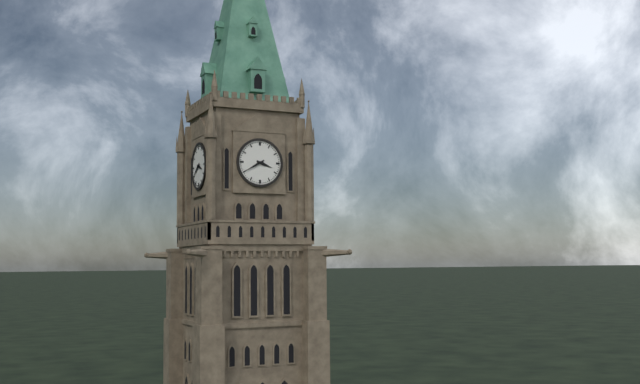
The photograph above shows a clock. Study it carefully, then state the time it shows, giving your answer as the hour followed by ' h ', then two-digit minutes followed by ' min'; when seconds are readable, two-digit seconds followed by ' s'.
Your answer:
3 h 40 min
